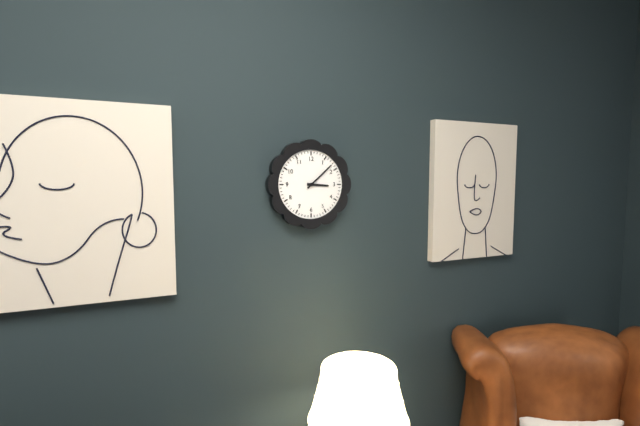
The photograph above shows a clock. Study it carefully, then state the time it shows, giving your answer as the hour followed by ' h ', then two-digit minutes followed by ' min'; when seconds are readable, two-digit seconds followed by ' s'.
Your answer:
3 h 08 min
